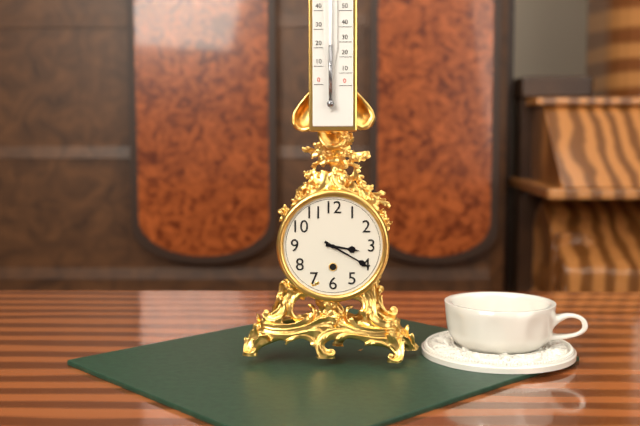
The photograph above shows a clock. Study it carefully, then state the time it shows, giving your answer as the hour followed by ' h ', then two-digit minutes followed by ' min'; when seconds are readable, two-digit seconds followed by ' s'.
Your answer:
3 h 20 min
